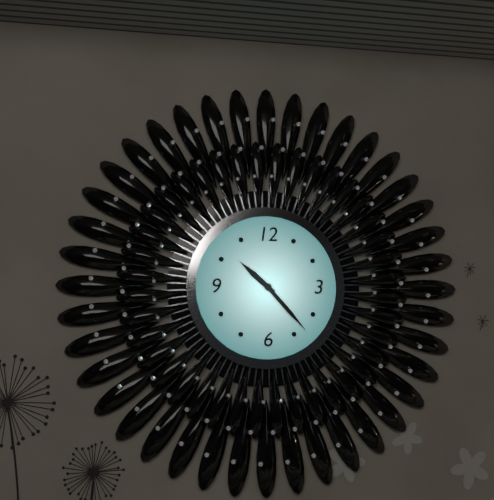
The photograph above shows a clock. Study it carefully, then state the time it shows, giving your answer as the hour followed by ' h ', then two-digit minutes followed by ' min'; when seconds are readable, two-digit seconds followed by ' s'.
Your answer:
10 h 23 min
